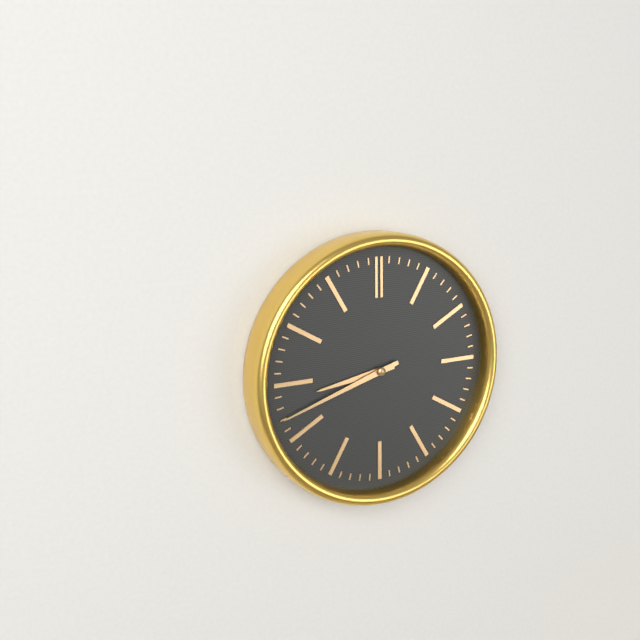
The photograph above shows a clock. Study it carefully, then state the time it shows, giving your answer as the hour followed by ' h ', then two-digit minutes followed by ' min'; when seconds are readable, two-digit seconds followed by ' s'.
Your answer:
8 h 42 min
